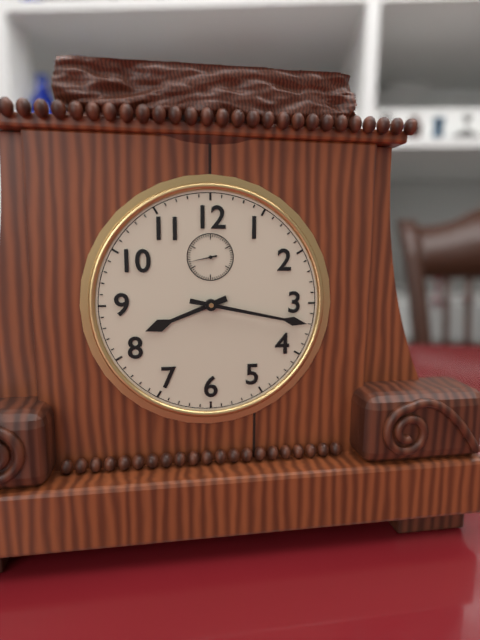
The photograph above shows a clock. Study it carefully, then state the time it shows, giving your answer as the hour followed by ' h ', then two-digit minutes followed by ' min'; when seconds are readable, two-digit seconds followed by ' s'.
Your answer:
8 h 17 min
